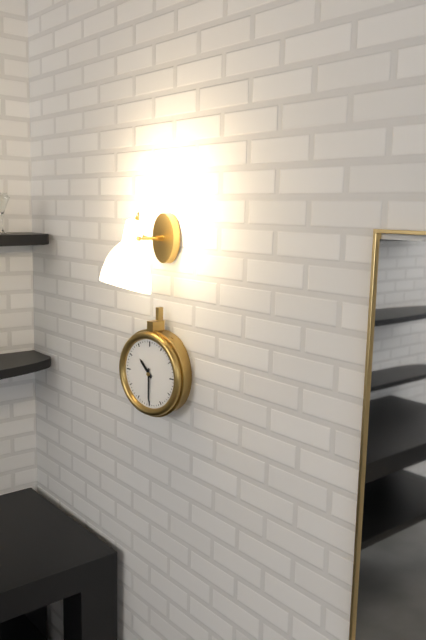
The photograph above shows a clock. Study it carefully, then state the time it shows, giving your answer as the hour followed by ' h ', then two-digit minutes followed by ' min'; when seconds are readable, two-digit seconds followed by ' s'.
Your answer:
10 h 30 min
